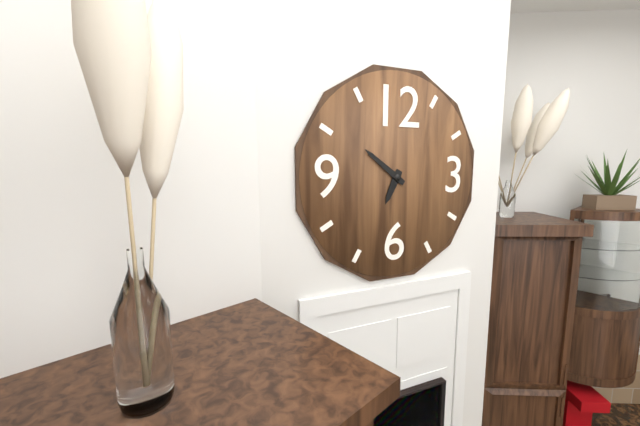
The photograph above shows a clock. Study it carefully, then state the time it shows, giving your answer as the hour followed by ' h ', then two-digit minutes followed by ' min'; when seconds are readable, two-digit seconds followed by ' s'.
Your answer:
6 h 51 min
